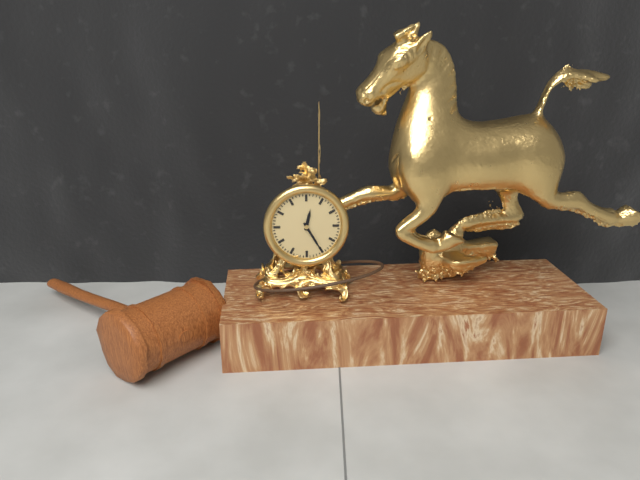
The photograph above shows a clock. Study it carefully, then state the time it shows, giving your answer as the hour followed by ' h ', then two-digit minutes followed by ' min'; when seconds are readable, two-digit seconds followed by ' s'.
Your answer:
12 h 25 min
